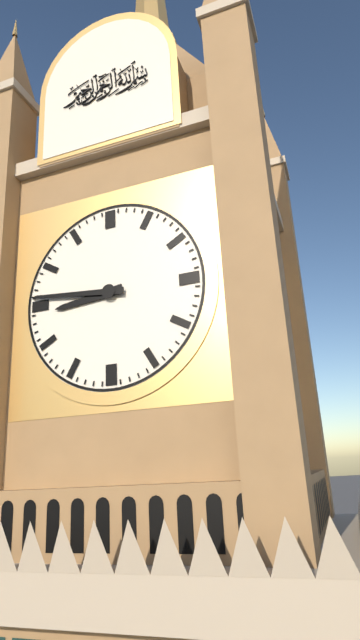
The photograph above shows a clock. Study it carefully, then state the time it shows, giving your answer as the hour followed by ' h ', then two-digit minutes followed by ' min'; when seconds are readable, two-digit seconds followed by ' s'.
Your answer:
8 h 46 min
